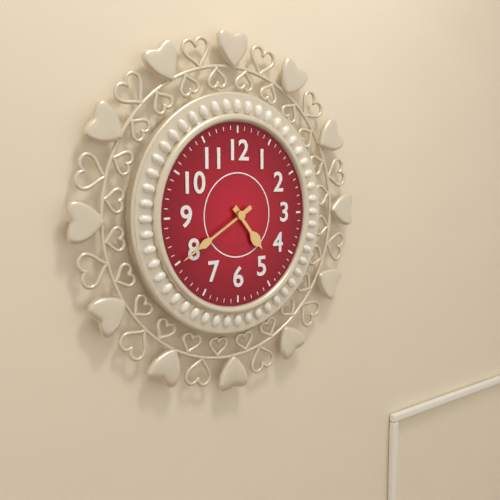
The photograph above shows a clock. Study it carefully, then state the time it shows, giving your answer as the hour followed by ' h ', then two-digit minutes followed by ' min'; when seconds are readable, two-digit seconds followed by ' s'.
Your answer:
4 h 40 min
